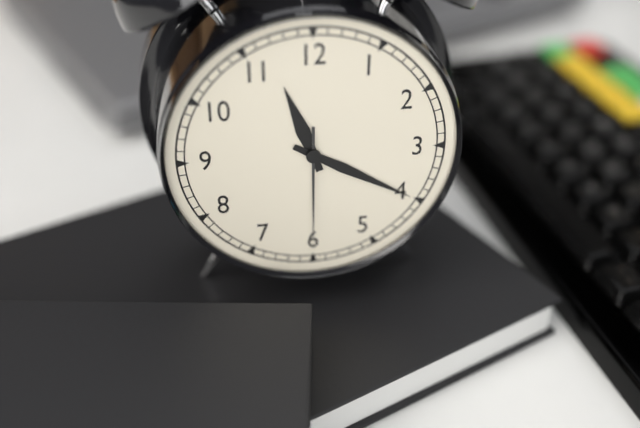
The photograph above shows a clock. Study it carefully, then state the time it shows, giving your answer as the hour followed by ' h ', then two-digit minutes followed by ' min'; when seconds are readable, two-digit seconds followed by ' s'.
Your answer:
11 h 20 min 30 s
